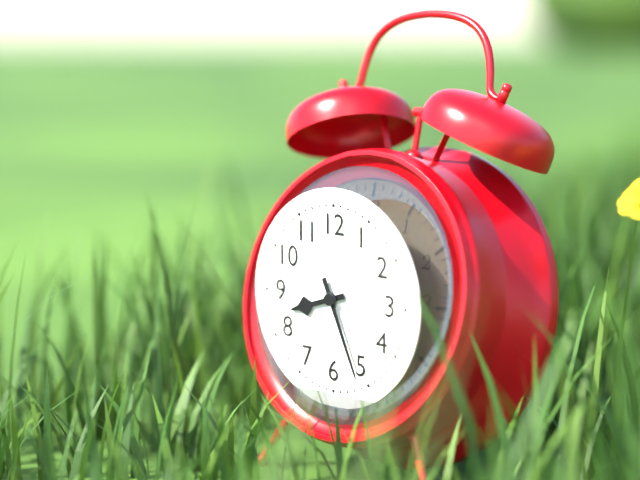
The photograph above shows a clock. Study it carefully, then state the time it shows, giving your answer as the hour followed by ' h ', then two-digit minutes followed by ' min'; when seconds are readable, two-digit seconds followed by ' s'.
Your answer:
8 h 26 min
